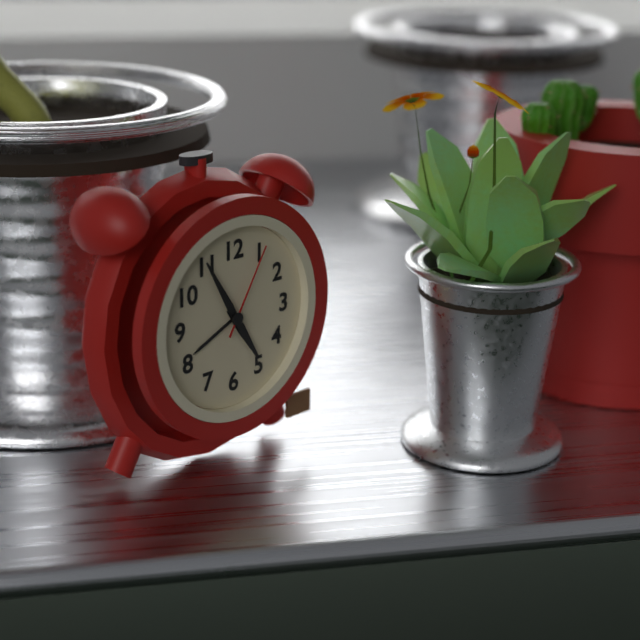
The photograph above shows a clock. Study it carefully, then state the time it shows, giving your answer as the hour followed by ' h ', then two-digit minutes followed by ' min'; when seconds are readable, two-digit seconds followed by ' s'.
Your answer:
4 h 55 min 05 s
